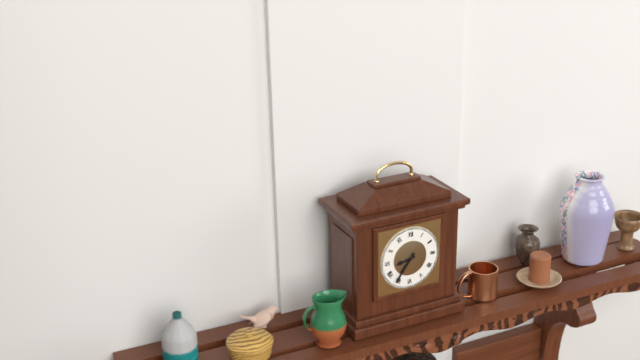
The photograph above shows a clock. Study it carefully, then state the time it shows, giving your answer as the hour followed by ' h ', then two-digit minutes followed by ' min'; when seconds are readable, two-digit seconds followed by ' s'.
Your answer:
8 h 36 min
